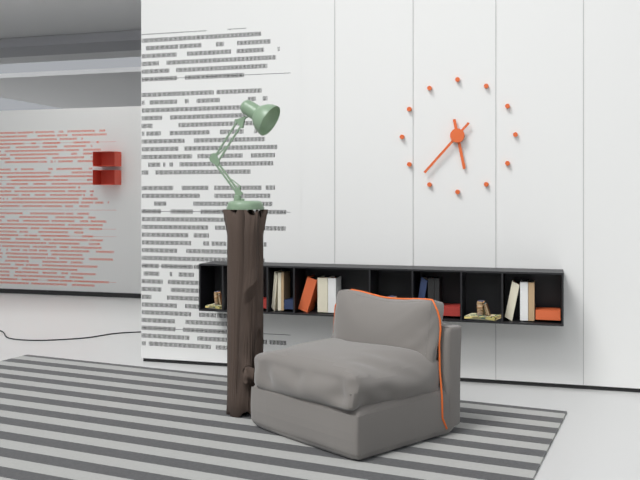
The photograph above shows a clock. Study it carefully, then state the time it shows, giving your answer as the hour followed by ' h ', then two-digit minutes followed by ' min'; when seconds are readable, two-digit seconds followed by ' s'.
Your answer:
5 h 37 min
